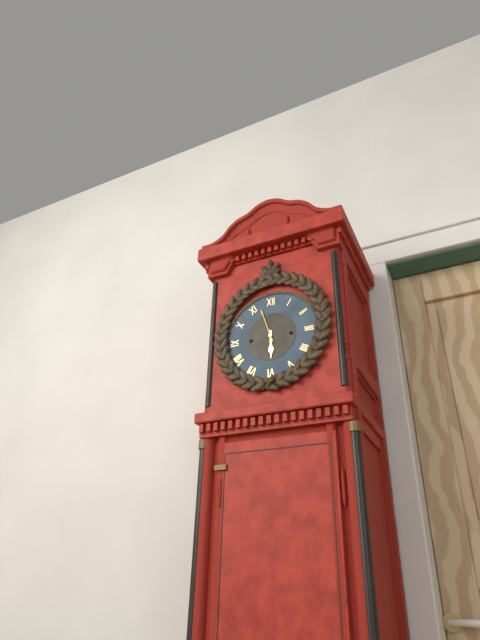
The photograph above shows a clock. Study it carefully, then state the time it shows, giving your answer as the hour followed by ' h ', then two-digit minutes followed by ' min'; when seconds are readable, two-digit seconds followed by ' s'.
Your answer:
5 h 57 min
